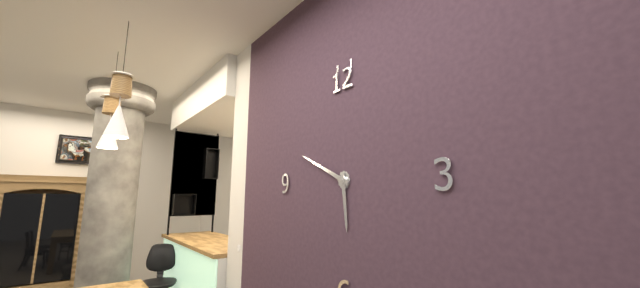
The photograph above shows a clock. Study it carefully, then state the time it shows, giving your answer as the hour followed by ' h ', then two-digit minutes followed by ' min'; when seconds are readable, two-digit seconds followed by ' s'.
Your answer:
5 h 49 min
